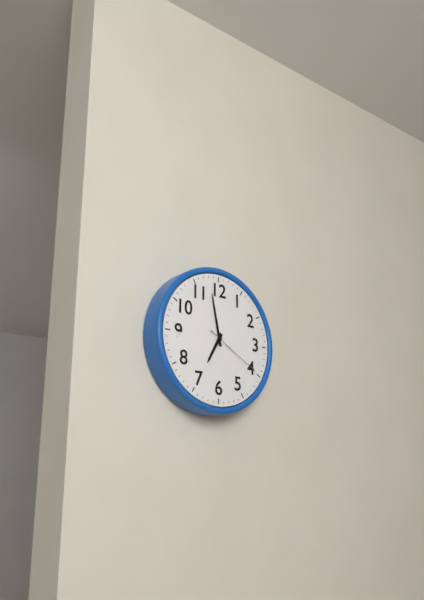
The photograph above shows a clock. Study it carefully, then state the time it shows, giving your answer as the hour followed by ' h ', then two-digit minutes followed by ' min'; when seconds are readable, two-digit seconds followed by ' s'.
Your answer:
6 h 58 min 20 s
